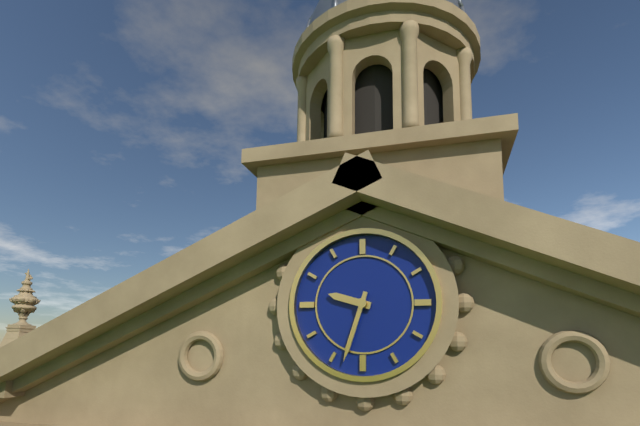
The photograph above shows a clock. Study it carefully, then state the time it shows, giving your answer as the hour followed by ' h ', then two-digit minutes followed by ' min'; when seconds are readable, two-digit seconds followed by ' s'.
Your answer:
9 h 33 min
